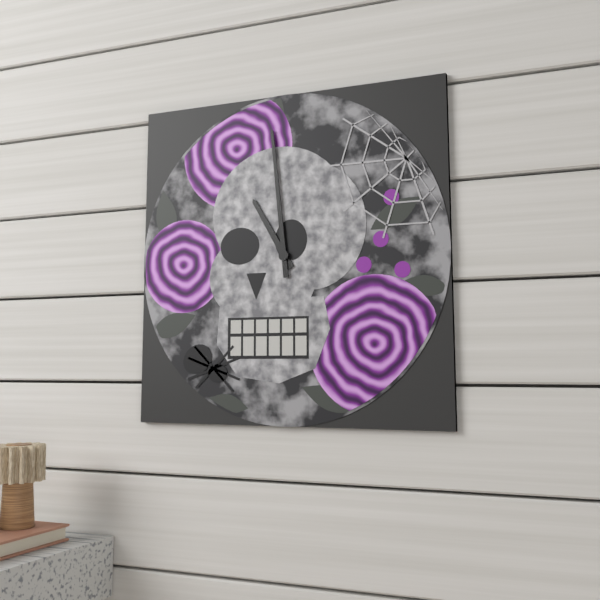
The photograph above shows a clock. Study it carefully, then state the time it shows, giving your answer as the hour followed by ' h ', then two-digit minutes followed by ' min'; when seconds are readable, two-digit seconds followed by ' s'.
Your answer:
10 h 59 min
